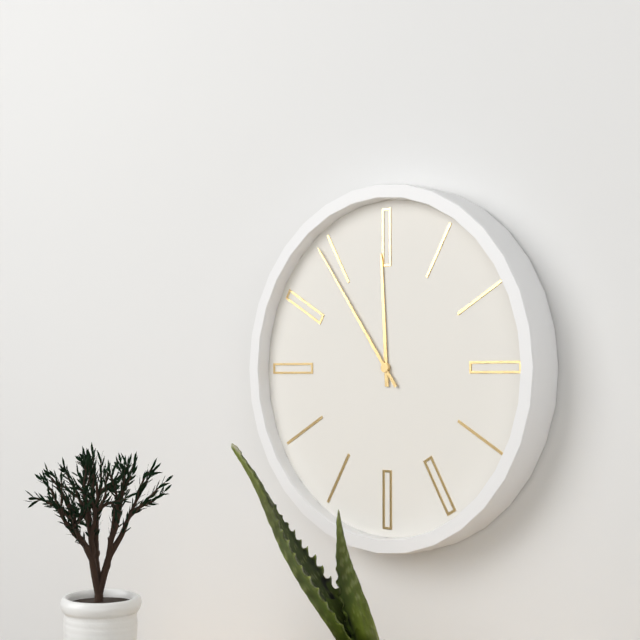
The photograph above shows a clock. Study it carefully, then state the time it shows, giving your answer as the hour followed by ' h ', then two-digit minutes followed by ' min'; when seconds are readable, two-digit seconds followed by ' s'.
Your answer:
11 h 54 min
